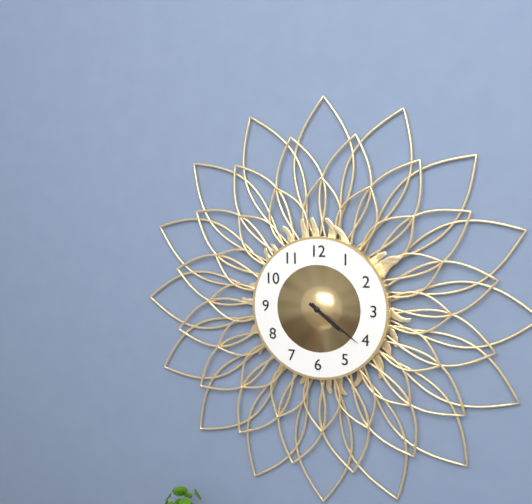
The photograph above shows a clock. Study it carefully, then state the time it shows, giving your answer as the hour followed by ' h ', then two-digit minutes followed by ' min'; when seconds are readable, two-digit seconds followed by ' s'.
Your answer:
4 h 21 min
